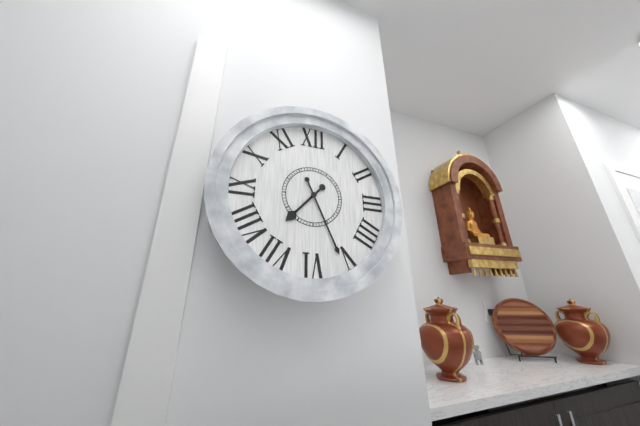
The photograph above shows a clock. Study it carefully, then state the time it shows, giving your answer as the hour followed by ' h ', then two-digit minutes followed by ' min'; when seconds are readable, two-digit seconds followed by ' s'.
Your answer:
7 h 26 min
